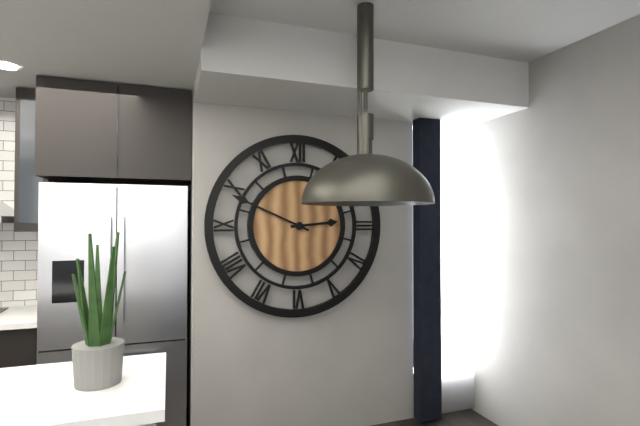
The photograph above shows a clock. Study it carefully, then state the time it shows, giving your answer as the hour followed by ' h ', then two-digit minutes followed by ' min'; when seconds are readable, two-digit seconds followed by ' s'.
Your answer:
2 h 49 min
